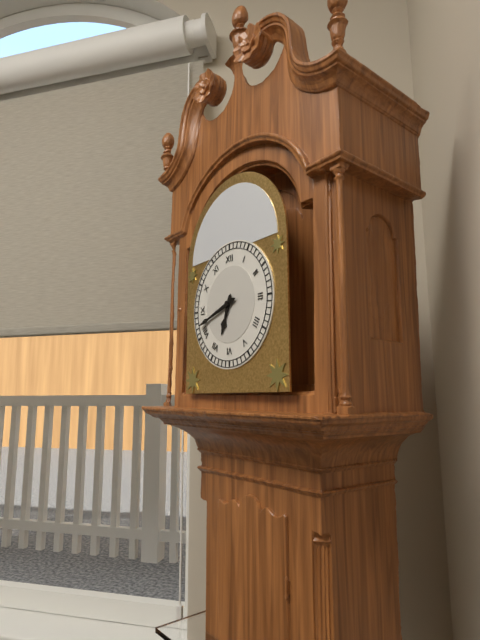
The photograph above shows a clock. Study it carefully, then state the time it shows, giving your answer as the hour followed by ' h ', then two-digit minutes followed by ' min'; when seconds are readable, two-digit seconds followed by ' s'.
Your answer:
6 h 42 min
